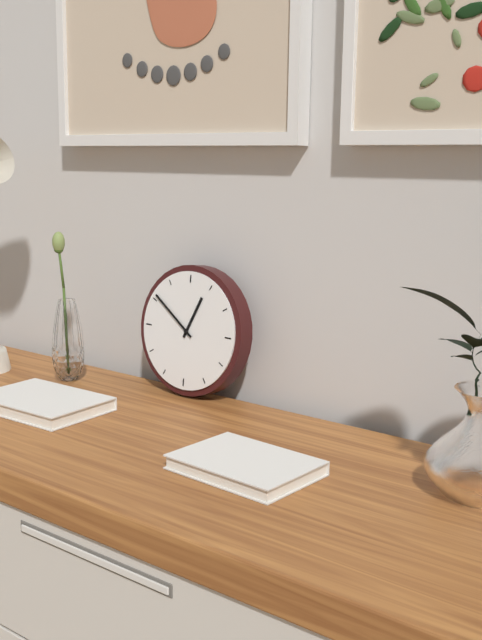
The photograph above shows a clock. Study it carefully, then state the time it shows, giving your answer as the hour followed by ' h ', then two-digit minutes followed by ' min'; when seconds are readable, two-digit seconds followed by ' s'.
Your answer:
12 h 51 min
